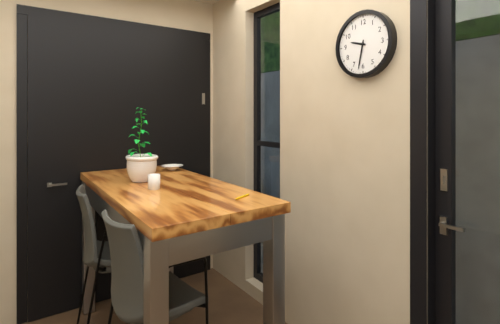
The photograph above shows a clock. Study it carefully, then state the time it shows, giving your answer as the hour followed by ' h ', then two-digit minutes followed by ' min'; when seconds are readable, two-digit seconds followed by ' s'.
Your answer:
9 h 32 min
